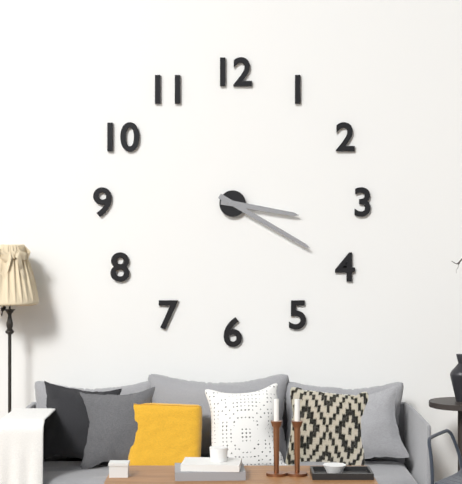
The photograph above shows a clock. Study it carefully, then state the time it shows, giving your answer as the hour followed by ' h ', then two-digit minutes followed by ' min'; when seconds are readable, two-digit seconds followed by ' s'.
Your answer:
3 h 20 min
